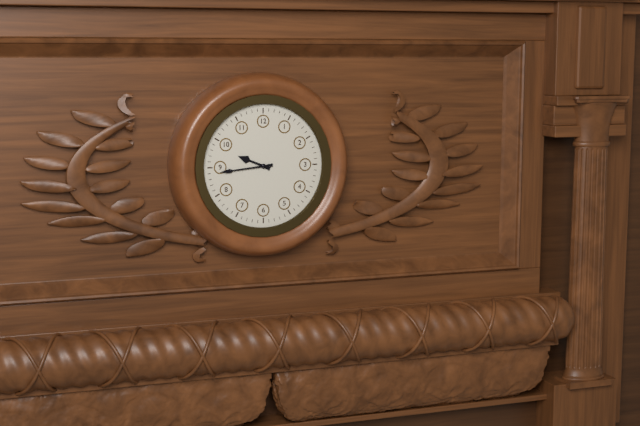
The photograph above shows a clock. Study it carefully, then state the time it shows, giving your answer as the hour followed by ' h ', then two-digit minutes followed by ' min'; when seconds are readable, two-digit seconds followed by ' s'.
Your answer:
9 h 44 min
